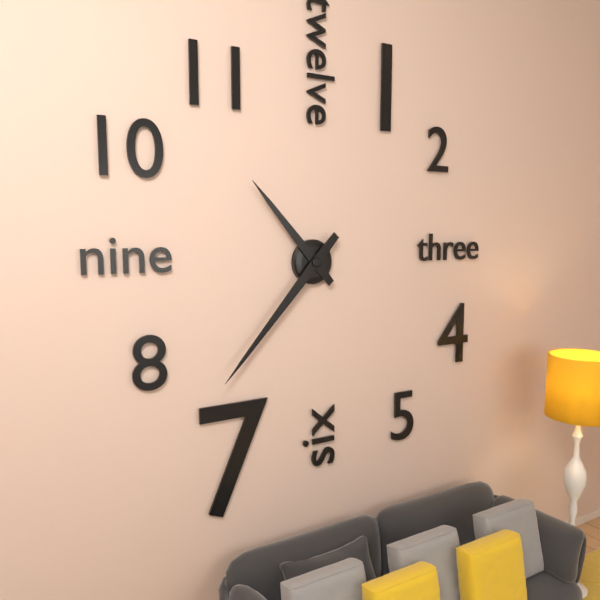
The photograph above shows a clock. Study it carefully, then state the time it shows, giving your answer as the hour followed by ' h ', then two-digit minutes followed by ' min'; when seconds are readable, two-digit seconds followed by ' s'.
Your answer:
10 h 37 min
